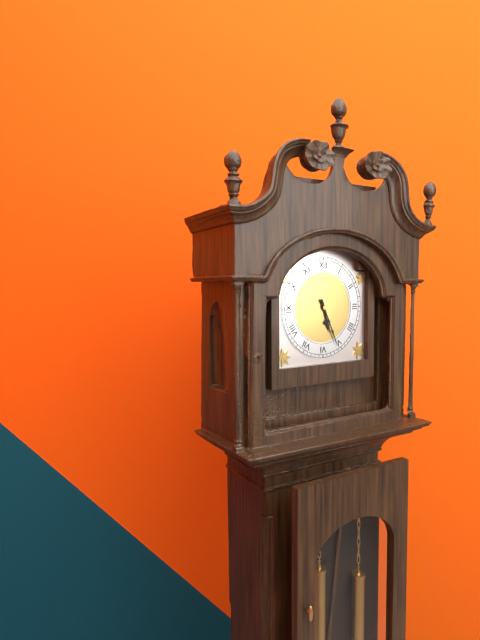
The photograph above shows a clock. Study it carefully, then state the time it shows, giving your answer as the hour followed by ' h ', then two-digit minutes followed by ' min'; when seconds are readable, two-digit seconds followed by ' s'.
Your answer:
5 h 26 min
